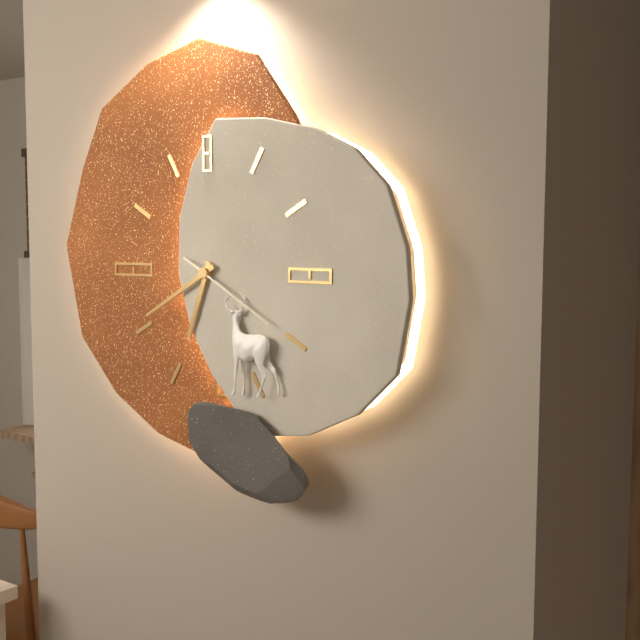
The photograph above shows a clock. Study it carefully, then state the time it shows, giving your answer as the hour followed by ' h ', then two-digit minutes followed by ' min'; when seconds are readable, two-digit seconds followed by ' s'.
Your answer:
6 h 40 min 20 s
